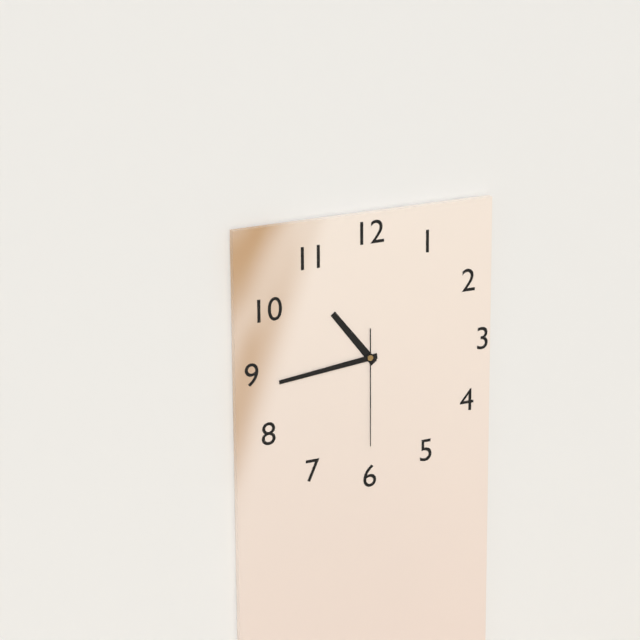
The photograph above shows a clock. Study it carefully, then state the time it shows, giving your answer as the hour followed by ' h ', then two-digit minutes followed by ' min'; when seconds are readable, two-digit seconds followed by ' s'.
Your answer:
10 h 44 min 30 s
